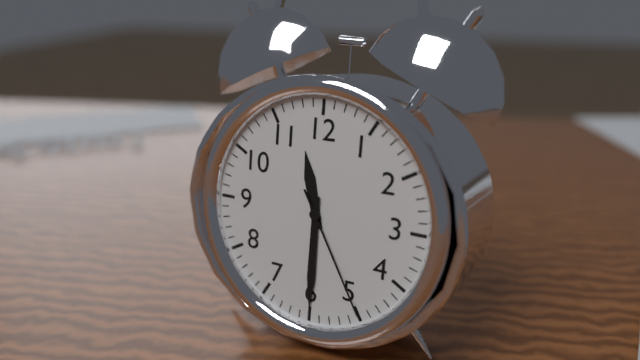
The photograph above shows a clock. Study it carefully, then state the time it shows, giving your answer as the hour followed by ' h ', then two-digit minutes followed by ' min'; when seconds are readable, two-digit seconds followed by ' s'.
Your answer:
11 h 30 min 25 s
